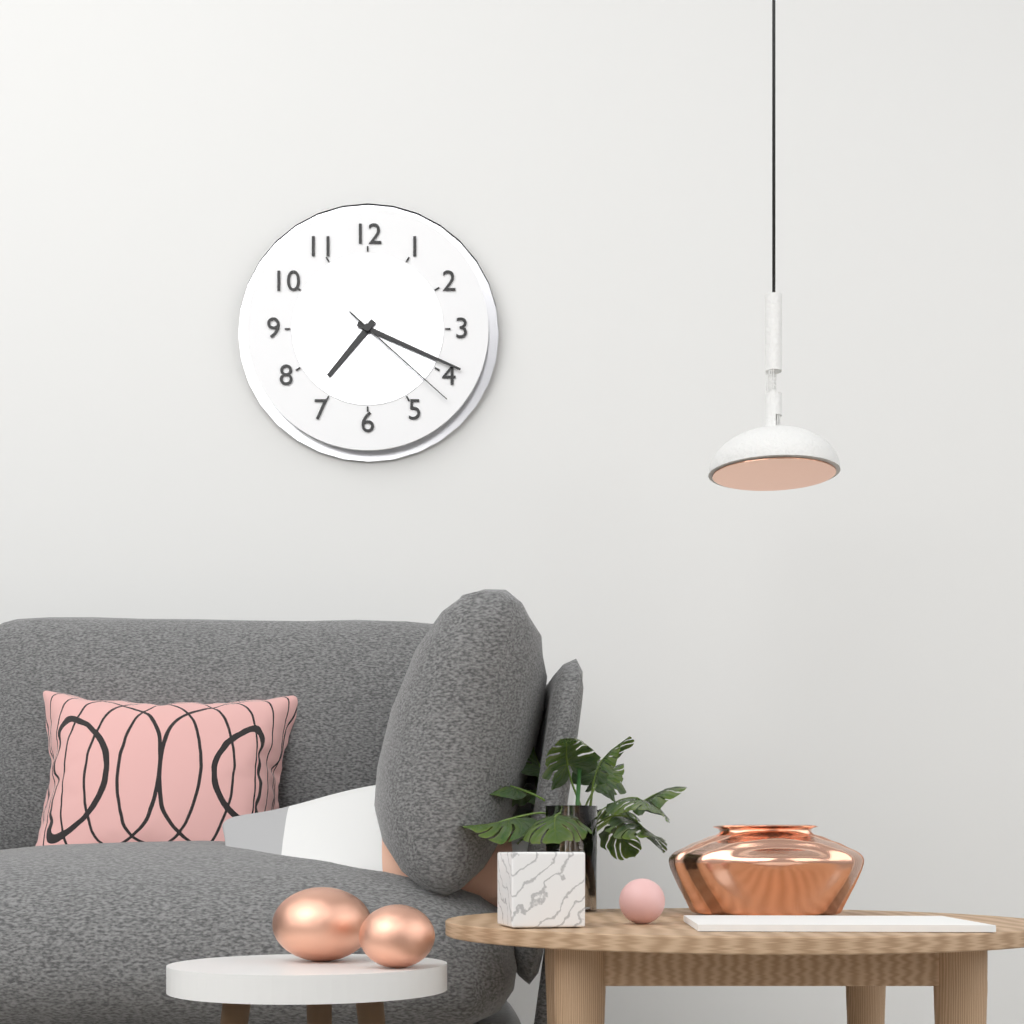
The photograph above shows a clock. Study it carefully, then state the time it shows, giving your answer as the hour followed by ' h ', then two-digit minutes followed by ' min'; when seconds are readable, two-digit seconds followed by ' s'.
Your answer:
7 h 19 min 22 s
